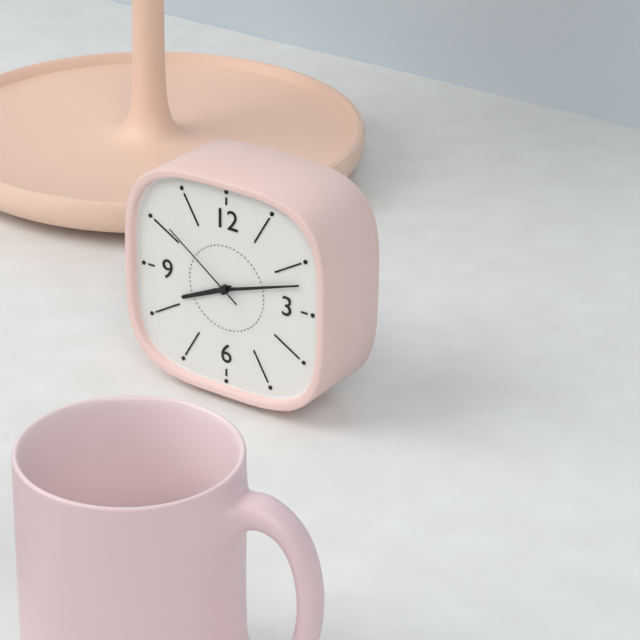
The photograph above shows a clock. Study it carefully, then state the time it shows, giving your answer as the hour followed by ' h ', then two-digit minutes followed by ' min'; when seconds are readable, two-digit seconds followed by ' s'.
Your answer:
8 h 12 min 51 s
